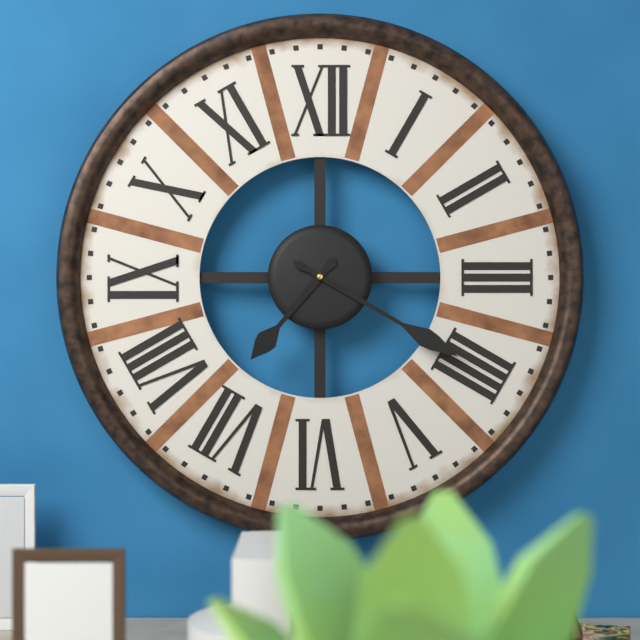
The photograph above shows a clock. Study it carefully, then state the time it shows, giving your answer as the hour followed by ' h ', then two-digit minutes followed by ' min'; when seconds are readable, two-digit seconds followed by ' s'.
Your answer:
7 h 20 min
